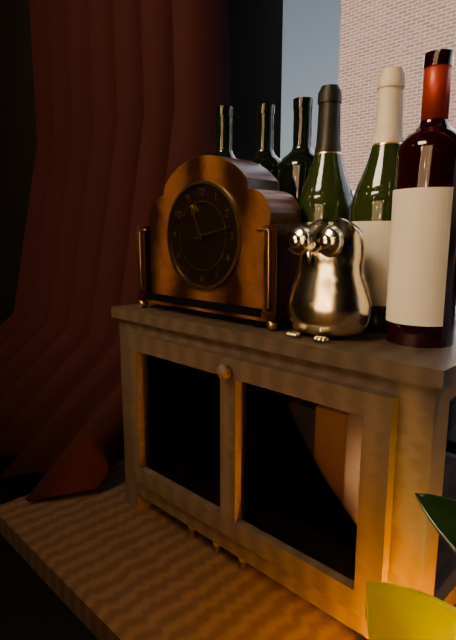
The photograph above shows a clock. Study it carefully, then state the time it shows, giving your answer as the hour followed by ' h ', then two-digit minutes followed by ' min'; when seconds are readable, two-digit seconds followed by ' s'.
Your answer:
11 h 13 min
